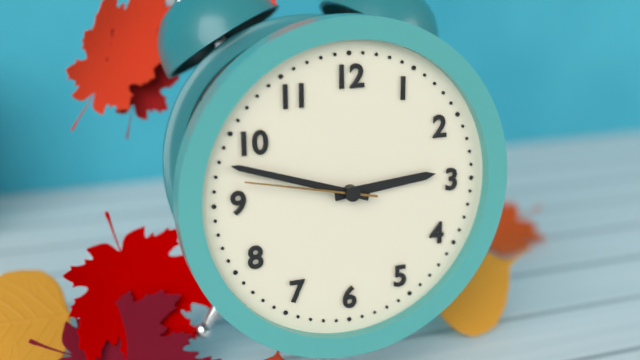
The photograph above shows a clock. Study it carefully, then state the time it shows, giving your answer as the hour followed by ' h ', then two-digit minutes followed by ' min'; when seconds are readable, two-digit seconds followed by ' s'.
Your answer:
2 h 48 min 47 s
